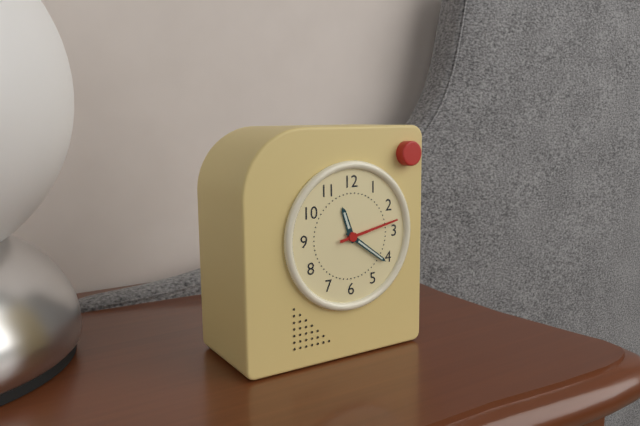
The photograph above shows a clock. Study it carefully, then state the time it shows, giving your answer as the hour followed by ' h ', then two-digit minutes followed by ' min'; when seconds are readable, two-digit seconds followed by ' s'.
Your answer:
11 h 21 min 13 s
